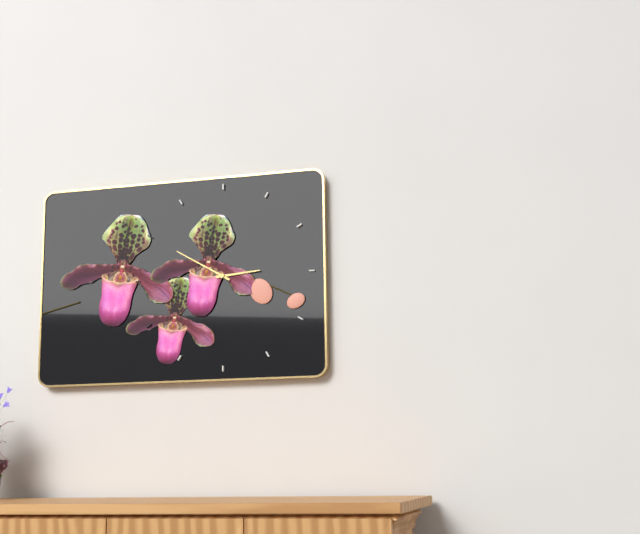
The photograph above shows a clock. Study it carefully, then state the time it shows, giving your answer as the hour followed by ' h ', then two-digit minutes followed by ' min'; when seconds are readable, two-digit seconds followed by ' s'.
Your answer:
2 h 50 min
